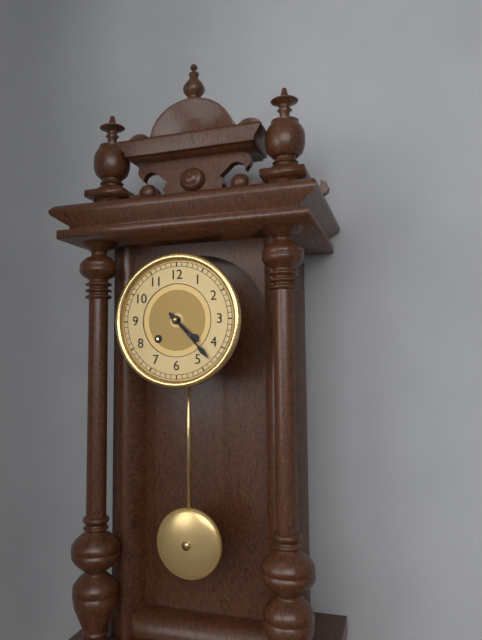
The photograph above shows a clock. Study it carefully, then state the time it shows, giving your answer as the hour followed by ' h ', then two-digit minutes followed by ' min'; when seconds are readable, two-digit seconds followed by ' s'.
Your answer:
4 h 23 min
